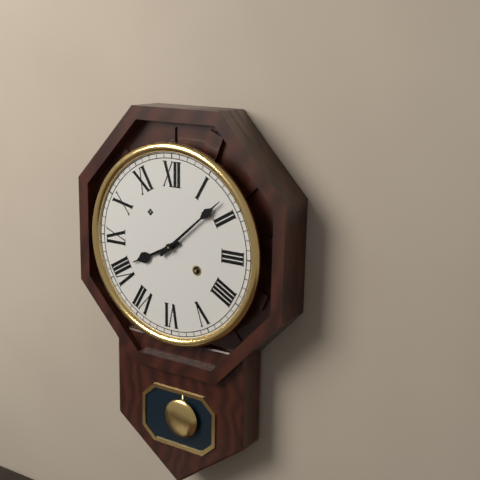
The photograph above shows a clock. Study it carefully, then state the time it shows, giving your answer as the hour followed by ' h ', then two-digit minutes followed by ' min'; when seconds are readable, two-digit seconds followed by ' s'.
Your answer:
8 h 08 min
